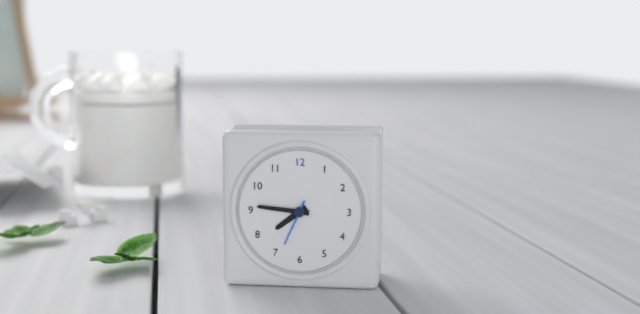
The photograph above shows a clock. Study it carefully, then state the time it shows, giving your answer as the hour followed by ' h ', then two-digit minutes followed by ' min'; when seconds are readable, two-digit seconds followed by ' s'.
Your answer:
7 h 46 min 34 s
